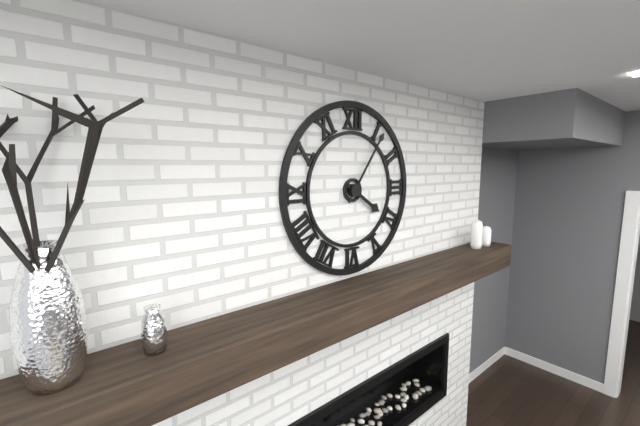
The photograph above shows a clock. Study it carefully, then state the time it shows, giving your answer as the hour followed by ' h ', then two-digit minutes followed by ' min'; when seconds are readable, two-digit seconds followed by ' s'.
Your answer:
4 h 06 min
